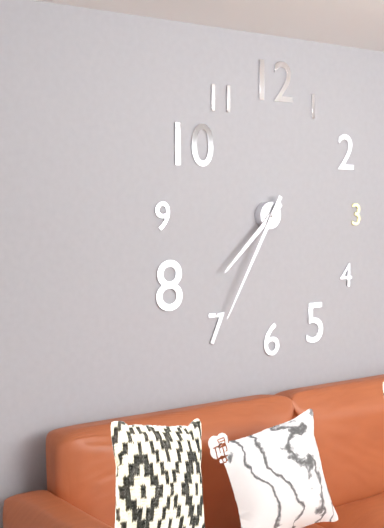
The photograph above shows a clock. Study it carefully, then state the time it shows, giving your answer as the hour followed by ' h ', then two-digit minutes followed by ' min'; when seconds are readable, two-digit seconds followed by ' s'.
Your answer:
7 h 35 min
